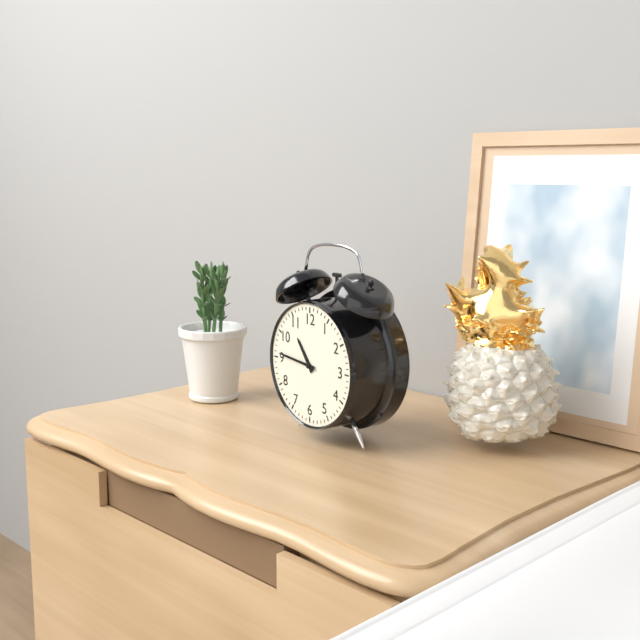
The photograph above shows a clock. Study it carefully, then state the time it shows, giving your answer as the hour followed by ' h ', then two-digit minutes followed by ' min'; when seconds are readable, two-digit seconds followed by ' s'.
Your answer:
10 h 46 min
